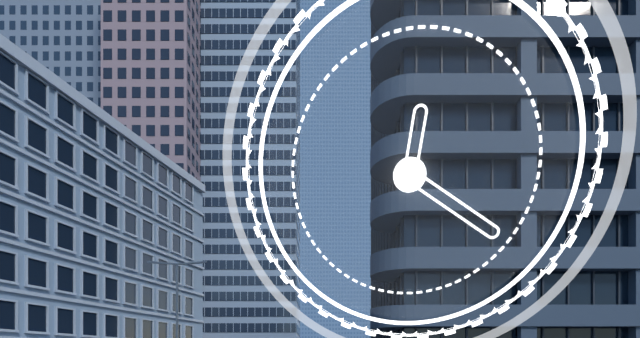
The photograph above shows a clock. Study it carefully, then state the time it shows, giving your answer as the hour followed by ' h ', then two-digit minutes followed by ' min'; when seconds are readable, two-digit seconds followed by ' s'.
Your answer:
12 h 21 min
